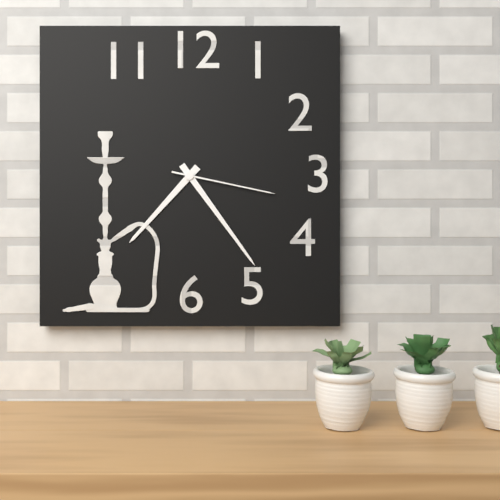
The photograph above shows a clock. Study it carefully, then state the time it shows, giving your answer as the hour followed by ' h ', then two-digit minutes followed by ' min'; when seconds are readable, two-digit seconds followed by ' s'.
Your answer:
7 h 24 min 17 s
